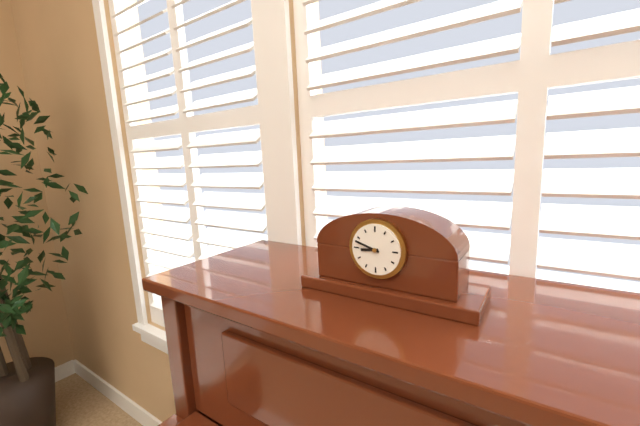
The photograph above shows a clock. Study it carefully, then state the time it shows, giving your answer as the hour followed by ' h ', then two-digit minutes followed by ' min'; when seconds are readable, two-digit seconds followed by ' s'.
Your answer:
8 h 48 min
